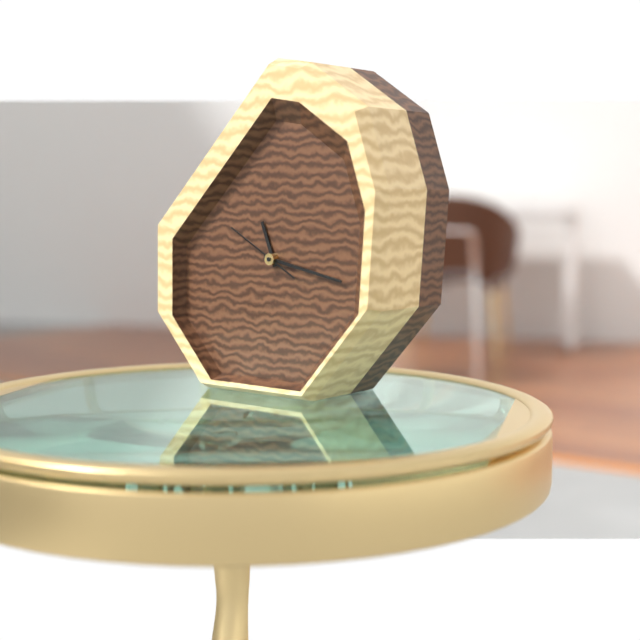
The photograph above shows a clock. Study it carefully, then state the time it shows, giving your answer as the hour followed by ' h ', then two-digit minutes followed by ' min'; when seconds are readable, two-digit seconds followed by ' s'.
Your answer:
11 h 17 min 50 s
